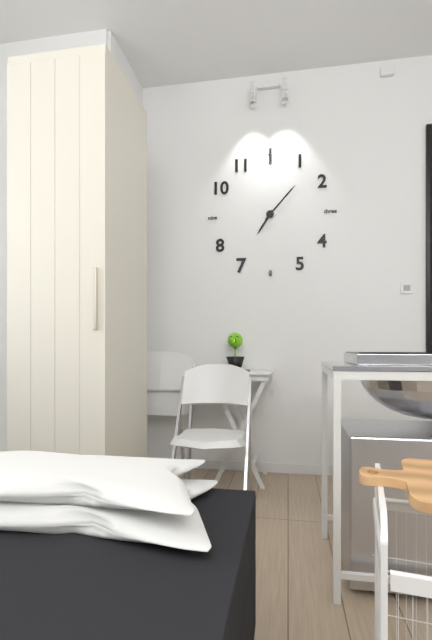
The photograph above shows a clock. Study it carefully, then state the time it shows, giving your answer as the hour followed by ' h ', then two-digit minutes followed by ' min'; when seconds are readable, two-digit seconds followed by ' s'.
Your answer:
7 h 07 min
